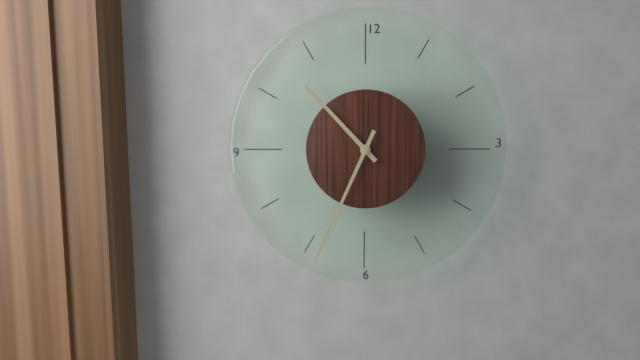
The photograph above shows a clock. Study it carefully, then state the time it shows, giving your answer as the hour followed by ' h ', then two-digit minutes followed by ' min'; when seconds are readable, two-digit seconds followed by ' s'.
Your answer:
10 h 34 min
